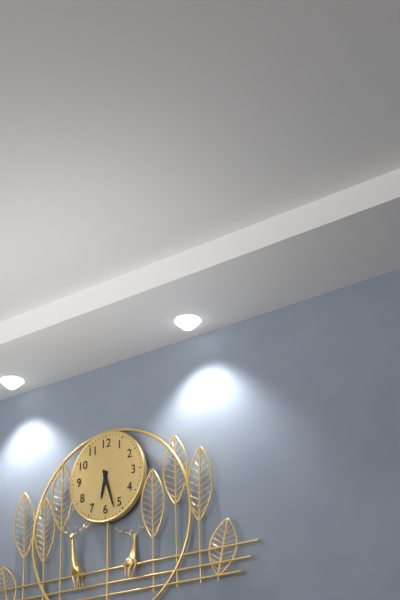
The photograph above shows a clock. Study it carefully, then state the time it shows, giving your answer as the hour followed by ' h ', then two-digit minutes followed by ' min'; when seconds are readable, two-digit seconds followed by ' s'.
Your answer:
6 h 27 min
